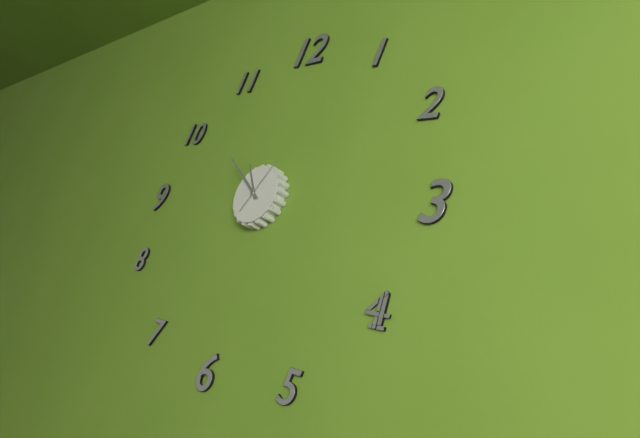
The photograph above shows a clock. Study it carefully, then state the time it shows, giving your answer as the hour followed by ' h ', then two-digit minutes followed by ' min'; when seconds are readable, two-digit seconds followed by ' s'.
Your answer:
10 h 51 min 05 s
